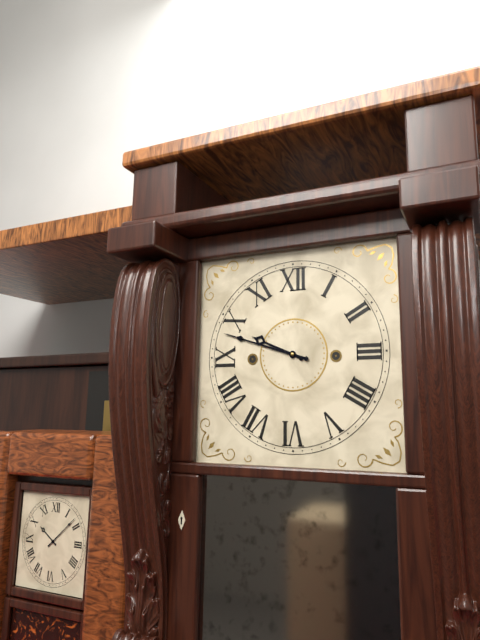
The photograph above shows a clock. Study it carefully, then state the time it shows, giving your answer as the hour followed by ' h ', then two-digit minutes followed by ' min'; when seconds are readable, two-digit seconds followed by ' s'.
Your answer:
9 h 48 min
